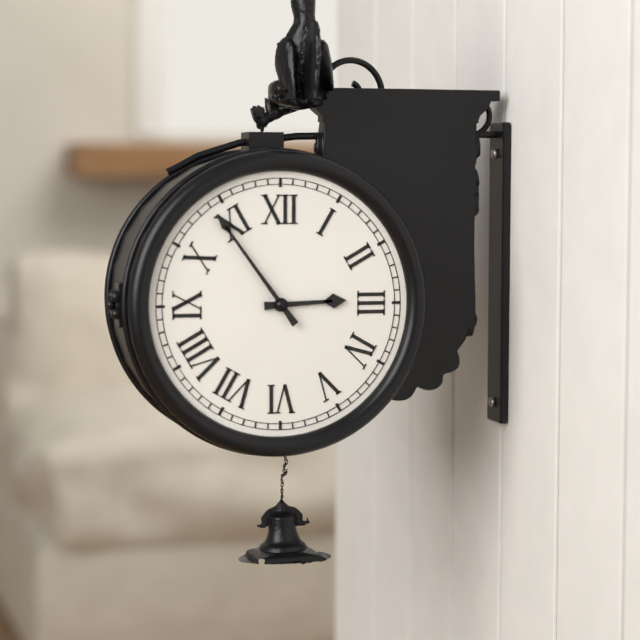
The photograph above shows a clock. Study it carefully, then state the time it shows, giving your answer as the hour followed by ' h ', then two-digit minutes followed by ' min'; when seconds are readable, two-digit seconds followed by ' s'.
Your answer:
2 h 54 min
